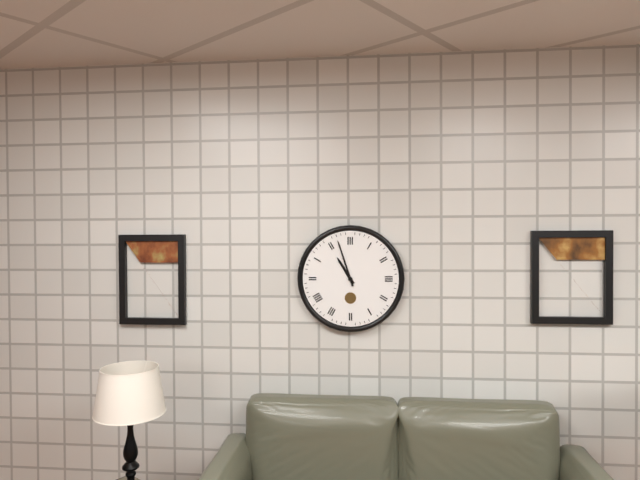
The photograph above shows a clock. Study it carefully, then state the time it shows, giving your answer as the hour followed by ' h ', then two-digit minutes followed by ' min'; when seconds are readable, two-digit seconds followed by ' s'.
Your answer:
10 h 57 min
